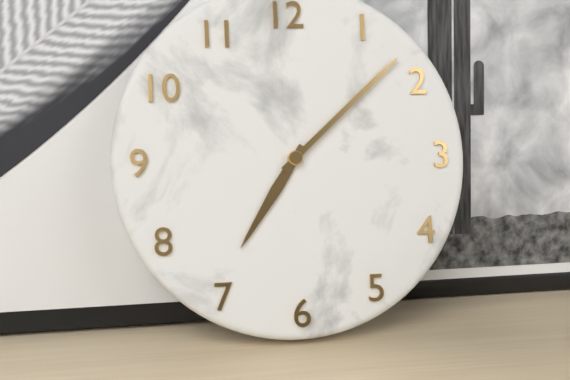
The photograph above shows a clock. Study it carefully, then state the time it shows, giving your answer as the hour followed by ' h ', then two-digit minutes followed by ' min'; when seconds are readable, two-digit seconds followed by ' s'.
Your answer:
7 h 08 min
